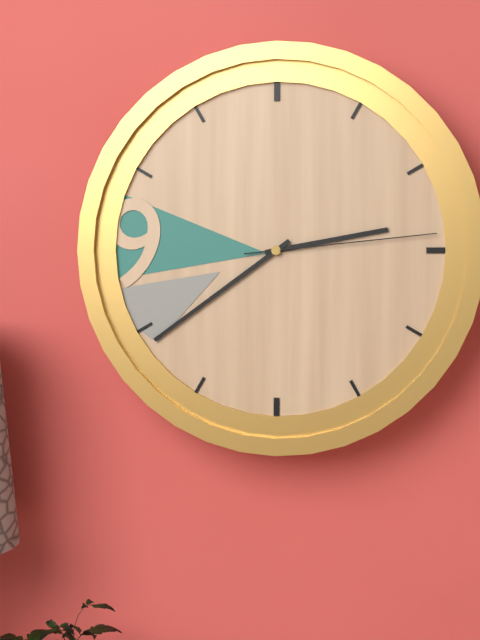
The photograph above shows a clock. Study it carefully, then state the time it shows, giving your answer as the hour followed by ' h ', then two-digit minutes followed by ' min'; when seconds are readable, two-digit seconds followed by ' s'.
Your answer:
2 h 39 min 14 s
